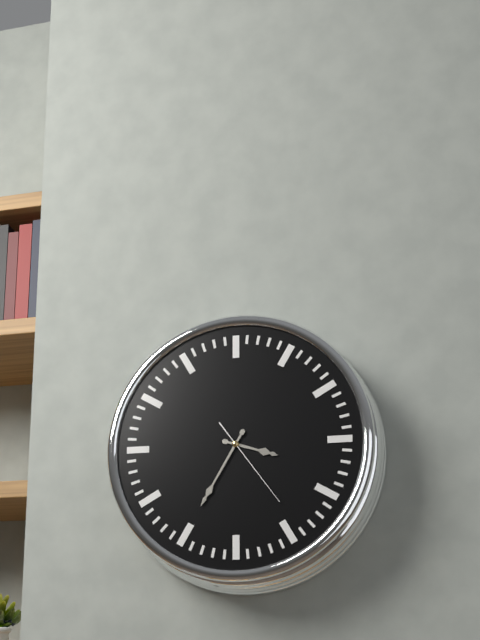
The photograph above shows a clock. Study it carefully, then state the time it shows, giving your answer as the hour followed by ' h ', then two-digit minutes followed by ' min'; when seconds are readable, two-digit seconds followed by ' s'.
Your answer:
3 h 35 min 24 s
